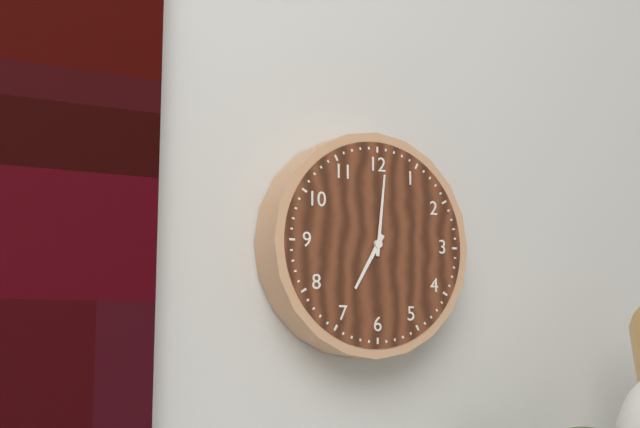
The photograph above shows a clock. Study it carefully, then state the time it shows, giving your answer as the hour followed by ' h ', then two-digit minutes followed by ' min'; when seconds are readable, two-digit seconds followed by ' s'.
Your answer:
7 h 01 min
